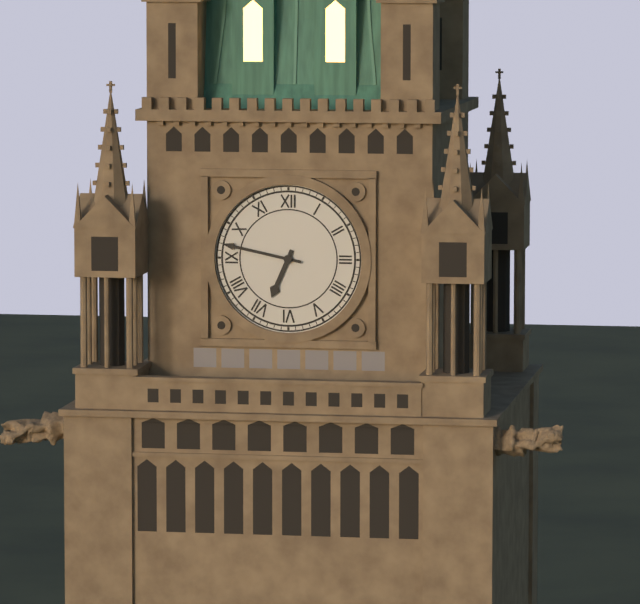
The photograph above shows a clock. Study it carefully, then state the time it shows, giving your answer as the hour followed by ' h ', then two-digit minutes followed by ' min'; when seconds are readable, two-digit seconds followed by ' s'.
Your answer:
6 h 47 min
